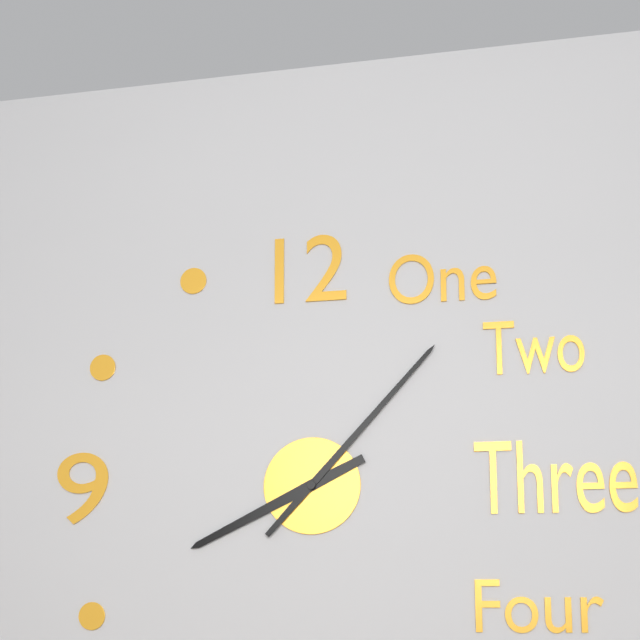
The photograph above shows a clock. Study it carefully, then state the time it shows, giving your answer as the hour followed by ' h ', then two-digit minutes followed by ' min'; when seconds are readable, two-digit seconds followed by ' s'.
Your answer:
8 h 07 min
